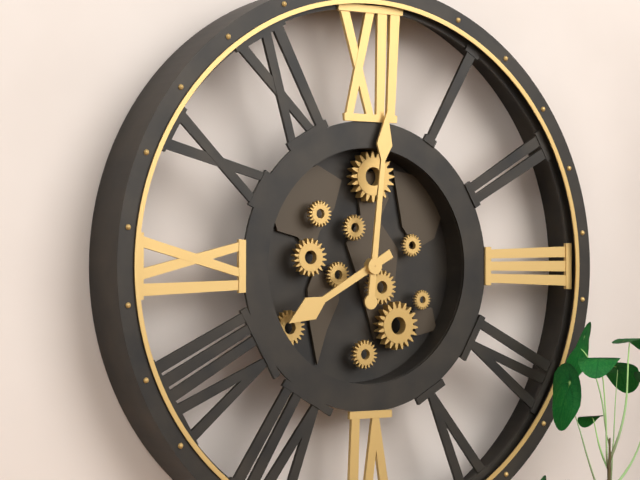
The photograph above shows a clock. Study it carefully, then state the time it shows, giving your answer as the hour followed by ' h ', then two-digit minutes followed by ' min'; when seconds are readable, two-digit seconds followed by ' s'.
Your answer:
8 h 01 min
